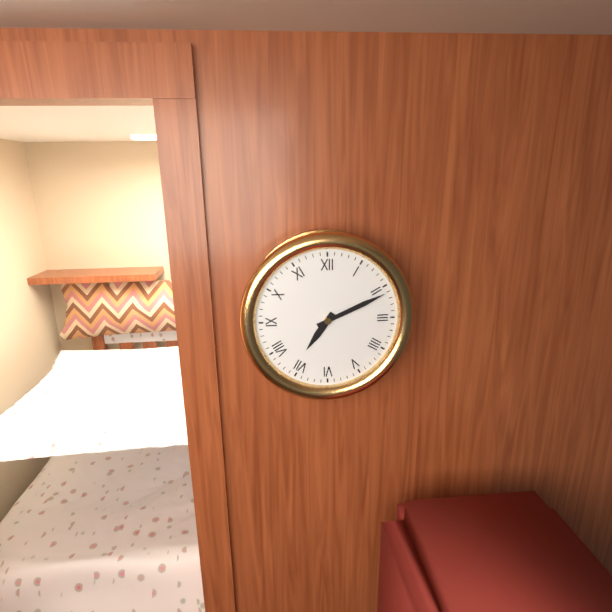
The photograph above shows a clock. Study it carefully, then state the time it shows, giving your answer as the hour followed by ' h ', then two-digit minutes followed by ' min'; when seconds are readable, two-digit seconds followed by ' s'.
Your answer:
7 h 11 min
